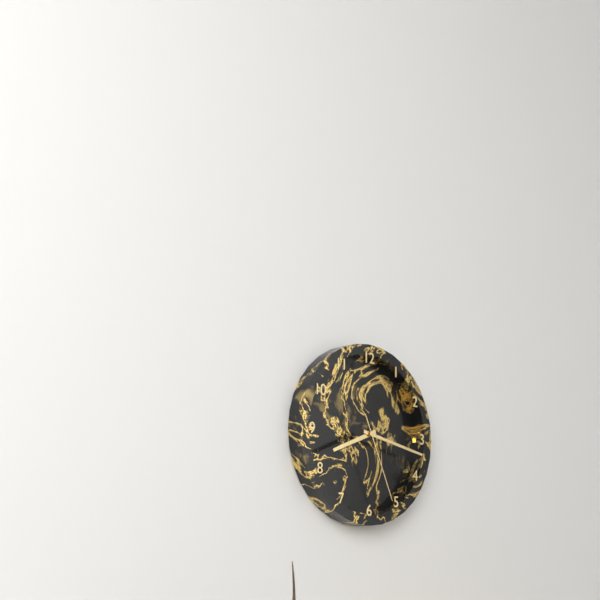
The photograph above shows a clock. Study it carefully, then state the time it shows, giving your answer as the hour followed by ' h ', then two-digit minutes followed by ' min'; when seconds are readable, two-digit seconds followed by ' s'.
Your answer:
8 h 17 min 26 s
